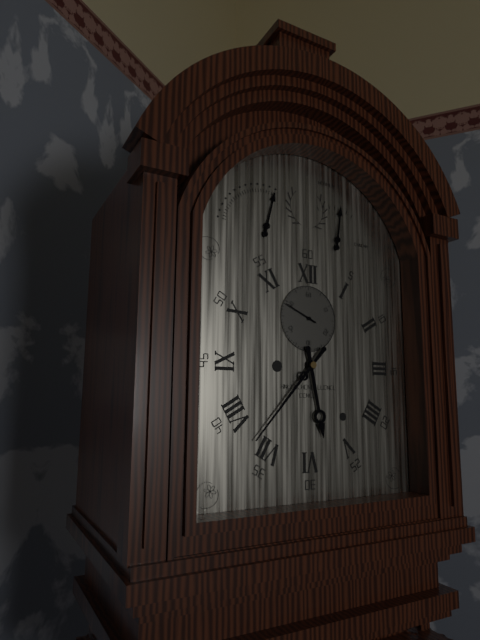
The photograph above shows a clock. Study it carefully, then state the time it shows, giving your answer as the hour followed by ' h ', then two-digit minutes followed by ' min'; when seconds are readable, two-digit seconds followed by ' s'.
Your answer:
5 h 37 min
